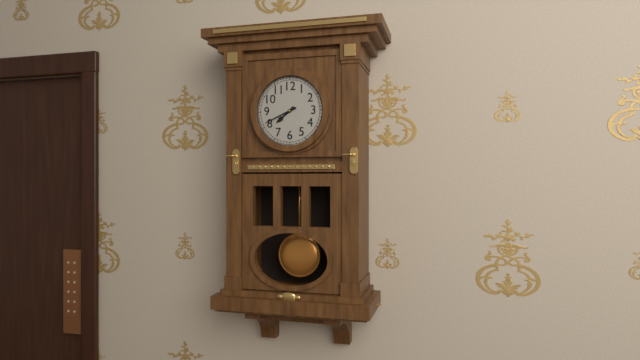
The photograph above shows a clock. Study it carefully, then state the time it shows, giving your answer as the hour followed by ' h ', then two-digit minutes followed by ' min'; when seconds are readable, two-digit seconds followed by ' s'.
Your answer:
7 h 41 min
